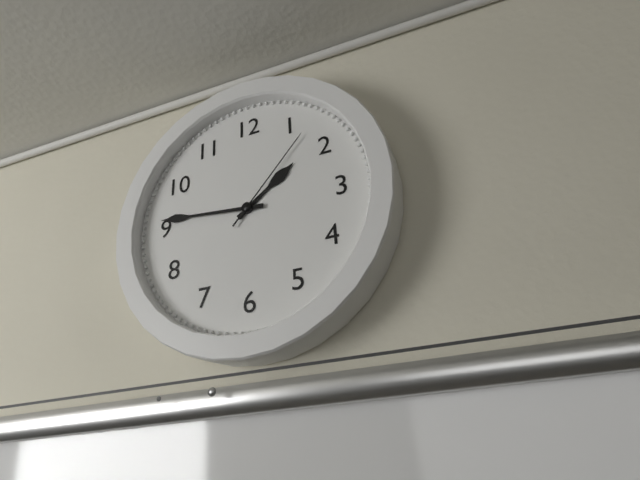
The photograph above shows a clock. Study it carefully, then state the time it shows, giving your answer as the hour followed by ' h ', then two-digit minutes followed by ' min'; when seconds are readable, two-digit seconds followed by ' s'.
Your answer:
1 h 46 min 07 s
